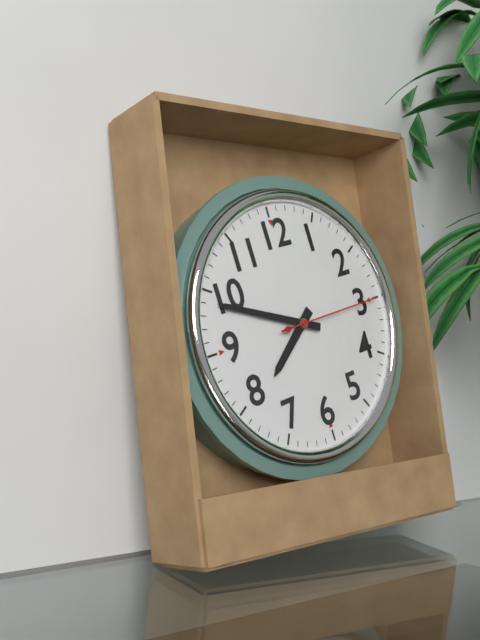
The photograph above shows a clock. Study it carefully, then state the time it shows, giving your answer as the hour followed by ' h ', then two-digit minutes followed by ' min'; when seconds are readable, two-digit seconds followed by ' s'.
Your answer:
7 h 49 min 15 s
